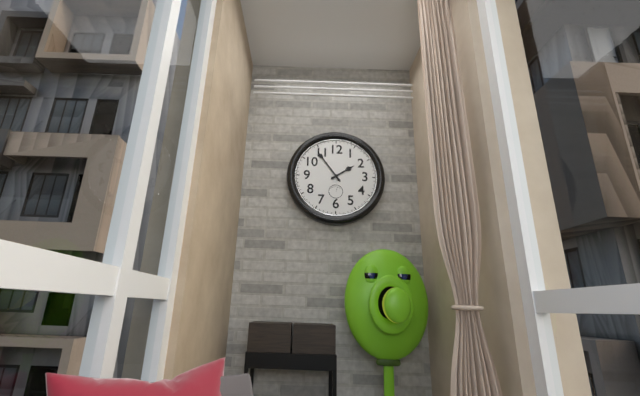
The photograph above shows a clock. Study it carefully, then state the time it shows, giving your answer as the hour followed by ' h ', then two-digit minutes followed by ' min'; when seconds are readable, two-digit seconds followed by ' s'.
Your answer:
1 h 54 min
